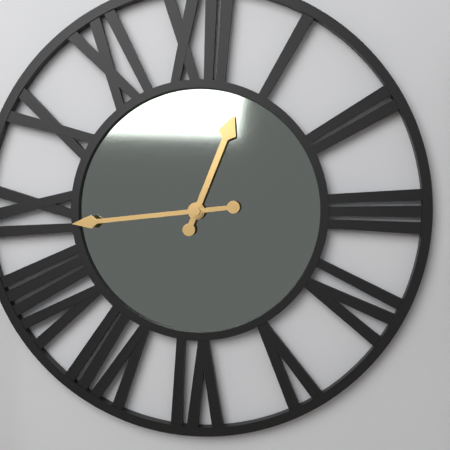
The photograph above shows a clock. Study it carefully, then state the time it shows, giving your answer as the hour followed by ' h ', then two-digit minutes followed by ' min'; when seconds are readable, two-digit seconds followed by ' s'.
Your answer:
12 h 44 min
